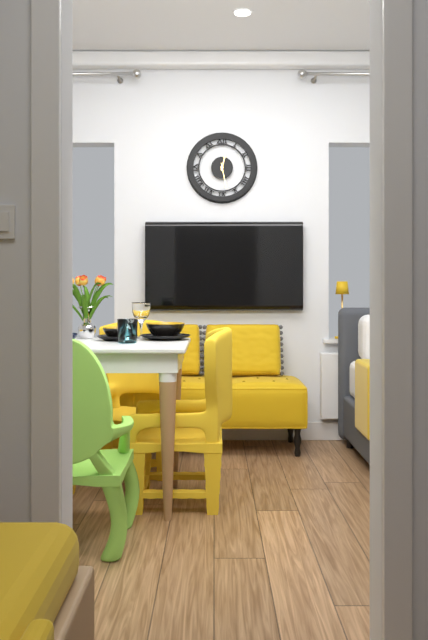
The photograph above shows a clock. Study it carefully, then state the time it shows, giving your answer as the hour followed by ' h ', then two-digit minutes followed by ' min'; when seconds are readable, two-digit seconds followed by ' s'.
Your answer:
12 h 28 min
